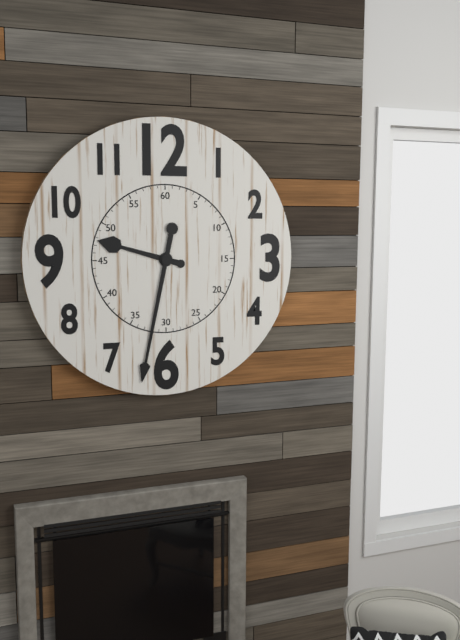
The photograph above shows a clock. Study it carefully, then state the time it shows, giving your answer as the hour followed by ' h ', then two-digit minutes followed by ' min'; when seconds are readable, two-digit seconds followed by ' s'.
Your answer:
9 h 32 min
